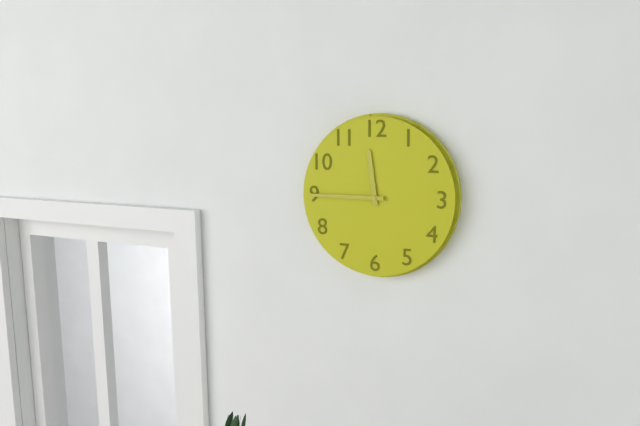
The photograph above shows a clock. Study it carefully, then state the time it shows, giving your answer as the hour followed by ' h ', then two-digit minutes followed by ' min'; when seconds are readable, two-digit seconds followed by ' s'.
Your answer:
11 h 45 min
